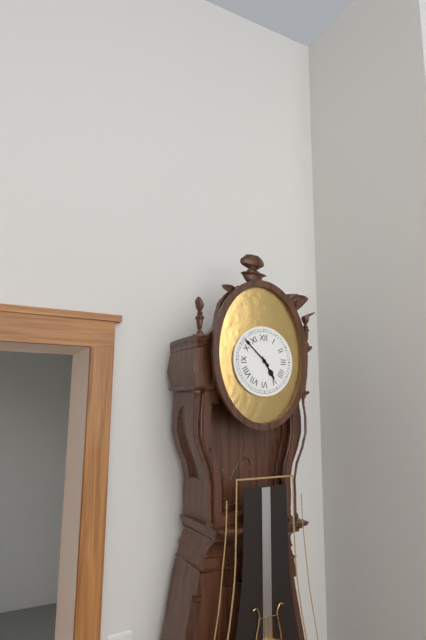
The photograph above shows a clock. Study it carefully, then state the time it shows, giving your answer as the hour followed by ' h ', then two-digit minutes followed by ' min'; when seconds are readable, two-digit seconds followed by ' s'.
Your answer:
4 h 52 min
